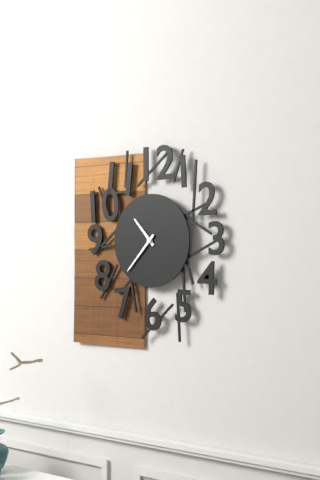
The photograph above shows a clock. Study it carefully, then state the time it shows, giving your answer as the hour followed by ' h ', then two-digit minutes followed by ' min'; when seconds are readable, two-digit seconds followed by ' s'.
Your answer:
10 h 37 min
